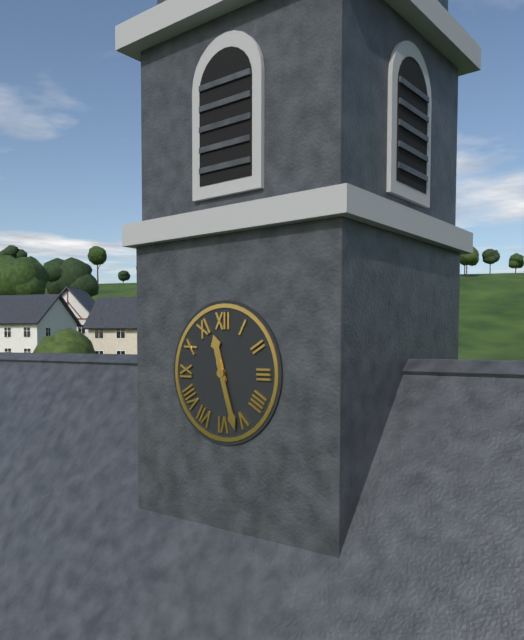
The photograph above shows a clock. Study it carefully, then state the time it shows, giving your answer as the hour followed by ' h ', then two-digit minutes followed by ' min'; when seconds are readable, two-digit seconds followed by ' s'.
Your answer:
11 h 27 min
